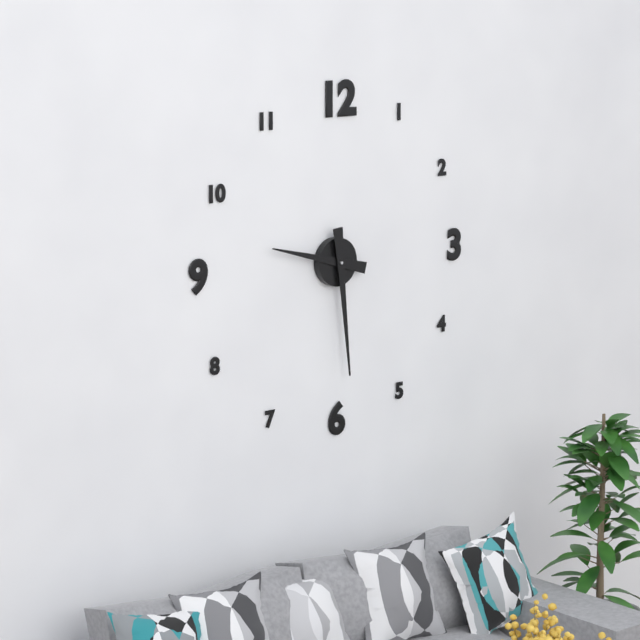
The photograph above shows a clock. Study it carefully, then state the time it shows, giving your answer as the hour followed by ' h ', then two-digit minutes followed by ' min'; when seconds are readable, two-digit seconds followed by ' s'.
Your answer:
9 h 29 min
